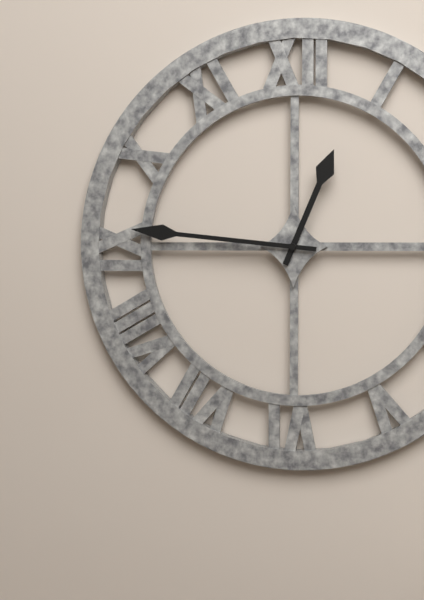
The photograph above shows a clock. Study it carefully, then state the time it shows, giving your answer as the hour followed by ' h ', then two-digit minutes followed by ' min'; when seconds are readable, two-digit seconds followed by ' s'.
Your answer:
12 h 46 min
